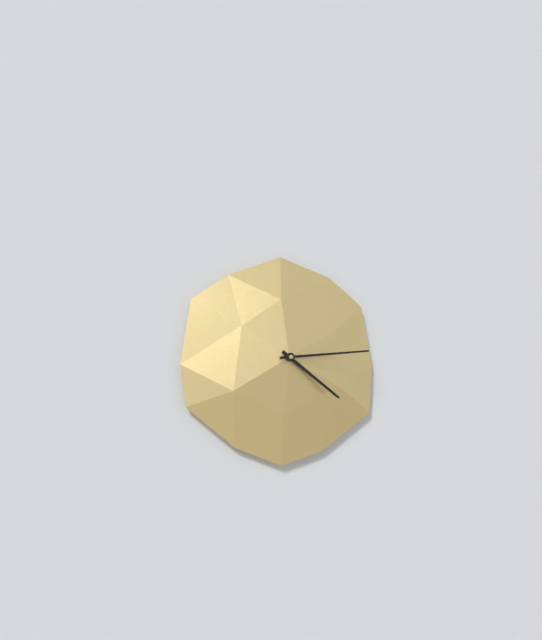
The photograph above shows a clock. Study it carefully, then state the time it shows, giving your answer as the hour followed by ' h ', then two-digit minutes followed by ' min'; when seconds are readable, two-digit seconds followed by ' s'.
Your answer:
4 h 14 min
